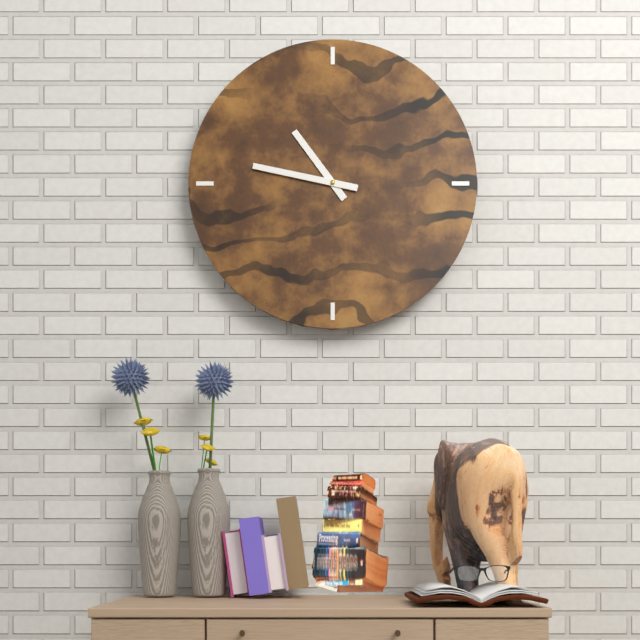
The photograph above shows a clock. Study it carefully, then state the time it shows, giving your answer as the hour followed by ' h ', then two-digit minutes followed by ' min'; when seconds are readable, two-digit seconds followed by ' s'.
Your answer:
10 h 47 min
